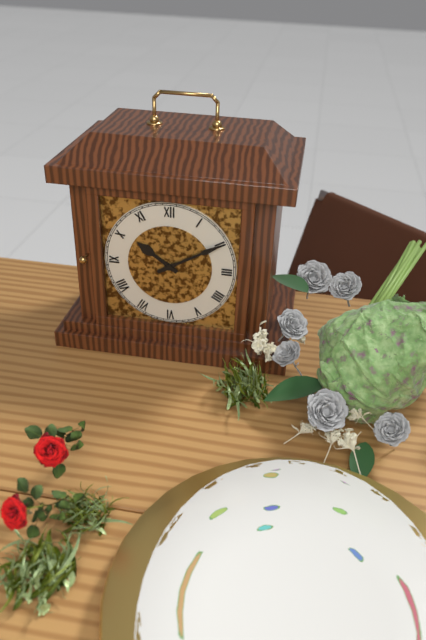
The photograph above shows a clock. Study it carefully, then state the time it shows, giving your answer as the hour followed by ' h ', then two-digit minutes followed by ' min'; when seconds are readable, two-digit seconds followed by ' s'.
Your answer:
10 h 10 min
